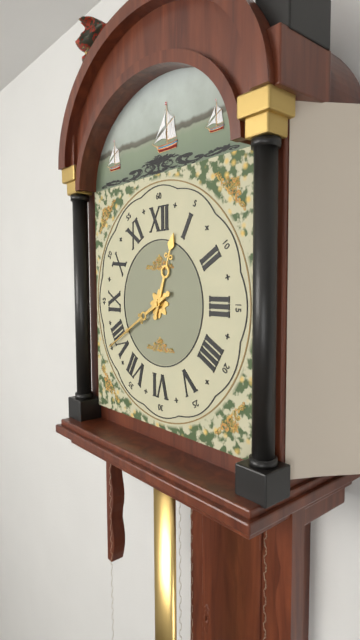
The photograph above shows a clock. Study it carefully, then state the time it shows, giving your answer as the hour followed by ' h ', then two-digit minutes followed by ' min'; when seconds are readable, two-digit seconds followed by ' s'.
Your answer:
12 h 40 min
